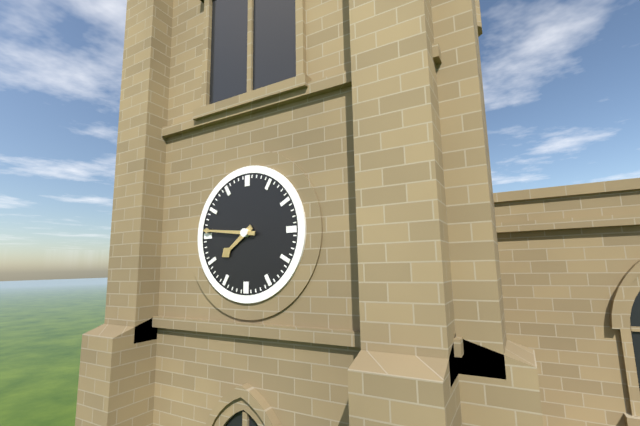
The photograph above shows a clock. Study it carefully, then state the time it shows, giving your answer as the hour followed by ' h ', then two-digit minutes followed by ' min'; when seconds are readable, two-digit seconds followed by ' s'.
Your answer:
7 h 46 min
